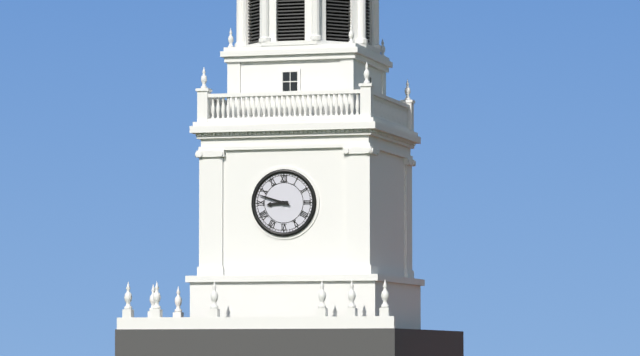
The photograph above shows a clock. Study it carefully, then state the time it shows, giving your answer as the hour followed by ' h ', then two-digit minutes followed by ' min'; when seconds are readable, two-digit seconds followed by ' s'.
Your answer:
8 h 48 min
